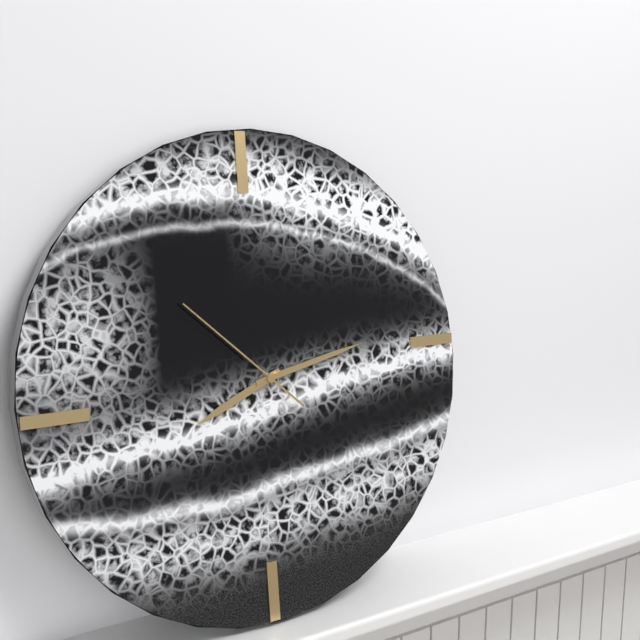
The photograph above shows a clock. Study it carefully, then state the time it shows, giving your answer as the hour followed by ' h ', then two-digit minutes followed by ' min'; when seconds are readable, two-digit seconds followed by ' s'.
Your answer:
8 h 13 min 52 s
